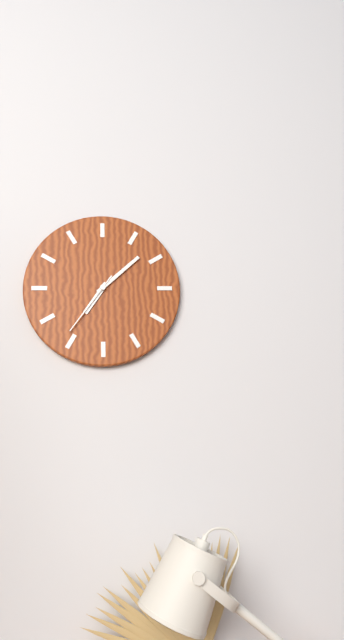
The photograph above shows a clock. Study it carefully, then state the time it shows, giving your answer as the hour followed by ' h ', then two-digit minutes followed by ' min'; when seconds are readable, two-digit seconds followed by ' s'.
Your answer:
7 h 08 min 36 s
